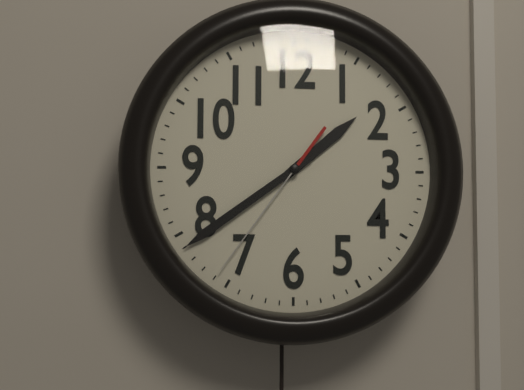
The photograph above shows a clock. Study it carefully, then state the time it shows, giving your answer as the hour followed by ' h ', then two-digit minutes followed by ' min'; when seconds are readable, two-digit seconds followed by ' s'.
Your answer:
1 h 39 min 36 s
